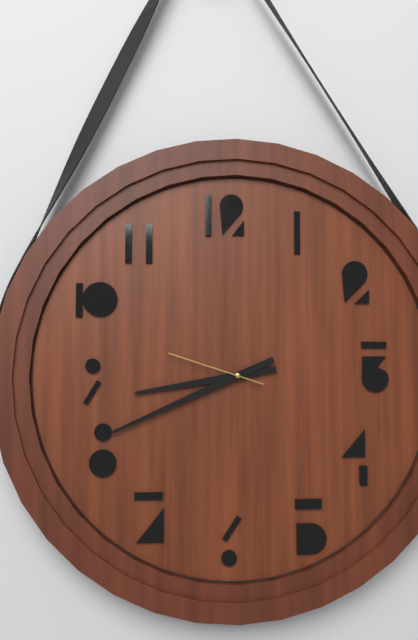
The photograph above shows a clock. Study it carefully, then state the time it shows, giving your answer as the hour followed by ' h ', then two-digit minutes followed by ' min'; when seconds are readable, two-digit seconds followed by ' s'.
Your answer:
8 h 41 min 48 s
